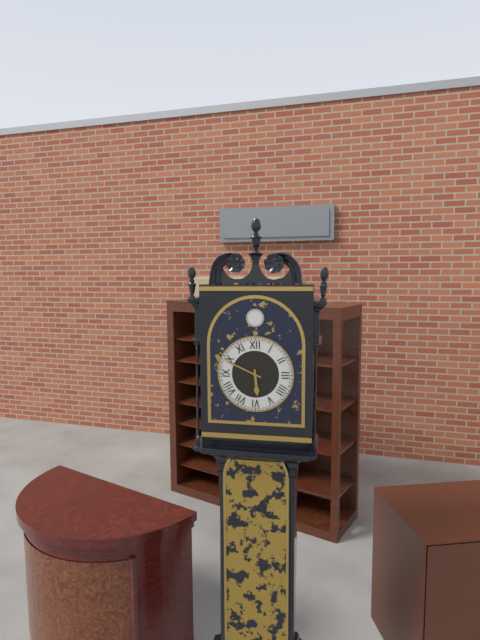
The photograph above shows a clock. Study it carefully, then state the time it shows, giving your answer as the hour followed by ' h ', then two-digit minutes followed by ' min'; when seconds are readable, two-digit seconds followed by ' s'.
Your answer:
5 h 49 min
